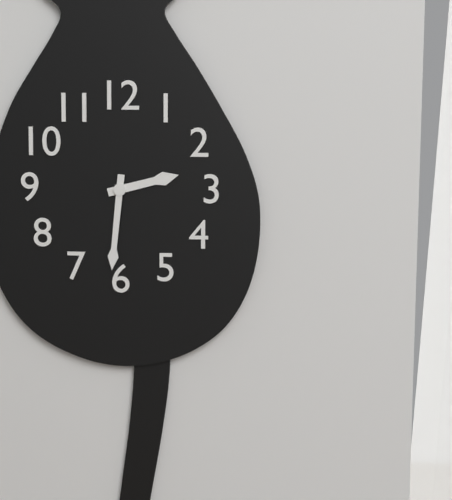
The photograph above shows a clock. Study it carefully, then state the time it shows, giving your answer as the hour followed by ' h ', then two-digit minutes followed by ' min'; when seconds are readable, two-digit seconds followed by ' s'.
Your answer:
2 h 31 min
